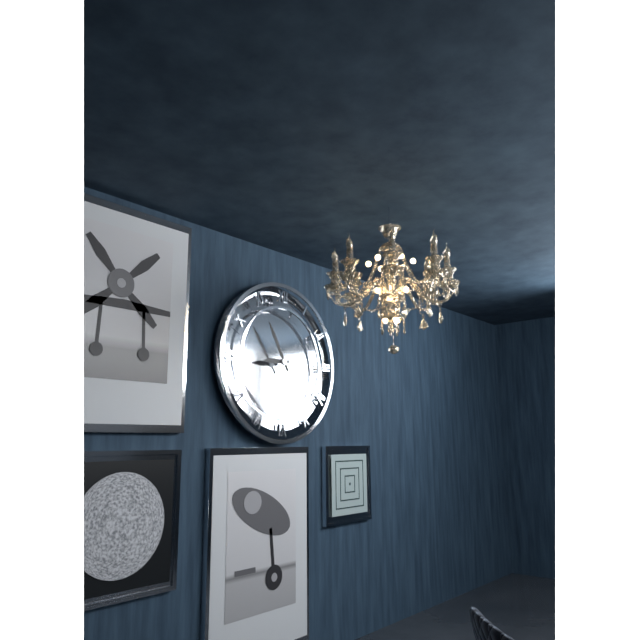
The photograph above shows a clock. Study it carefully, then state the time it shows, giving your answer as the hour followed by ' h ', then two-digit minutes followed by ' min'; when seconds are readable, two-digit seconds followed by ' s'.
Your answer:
8 h 55 min
